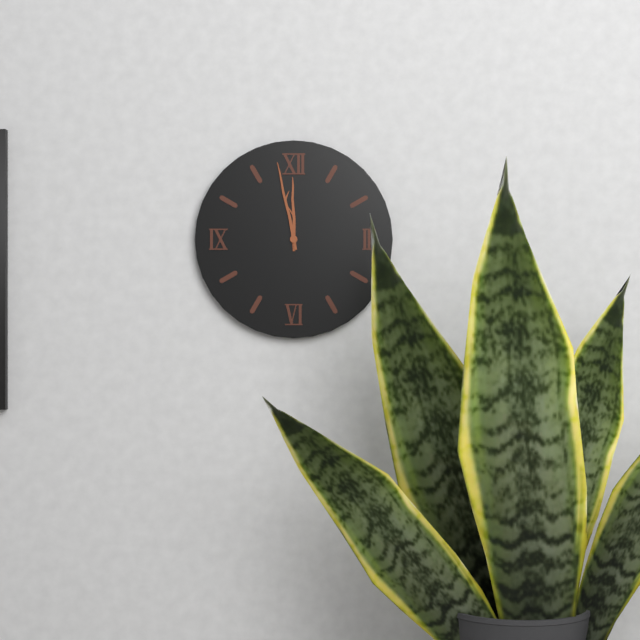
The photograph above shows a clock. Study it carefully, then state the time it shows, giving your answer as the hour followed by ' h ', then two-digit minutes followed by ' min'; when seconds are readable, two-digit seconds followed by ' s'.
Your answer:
11 h 58 min
